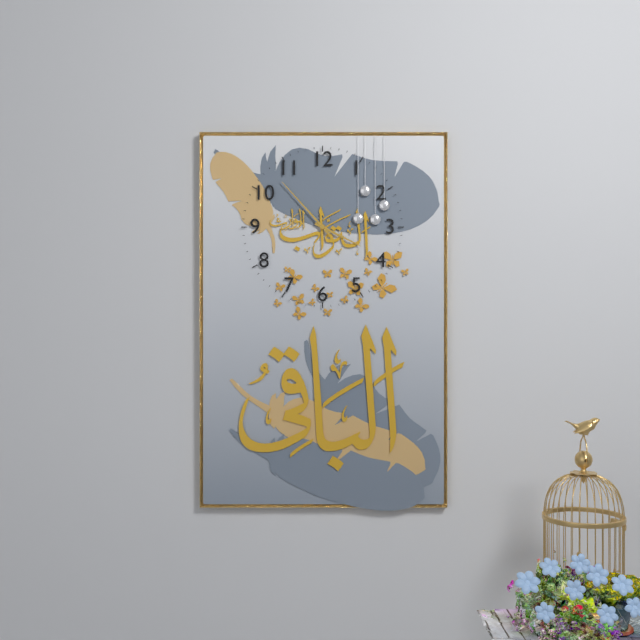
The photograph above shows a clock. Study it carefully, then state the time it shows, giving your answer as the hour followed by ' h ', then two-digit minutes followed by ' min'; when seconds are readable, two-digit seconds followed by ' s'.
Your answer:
3 h 53 min
